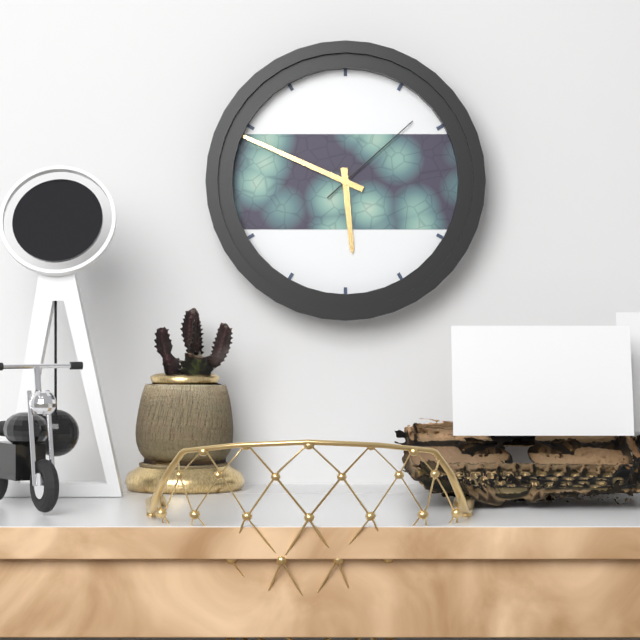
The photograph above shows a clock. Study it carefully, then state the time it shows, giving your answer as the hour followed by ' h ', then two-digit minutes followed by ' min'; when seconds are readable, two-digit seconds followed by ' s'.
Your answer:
5 h 49 min 08 s
